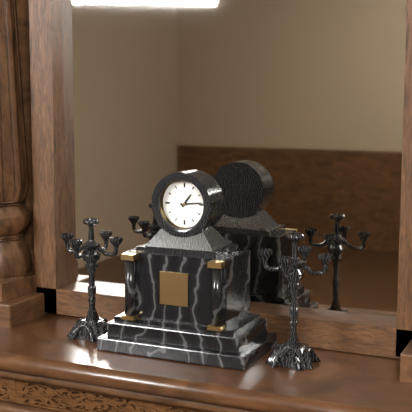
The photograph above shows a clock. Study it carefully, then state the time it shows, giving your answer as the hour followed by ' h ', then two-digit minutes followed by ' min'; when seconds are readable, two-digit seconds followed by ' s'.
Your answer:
1 h 14 min
